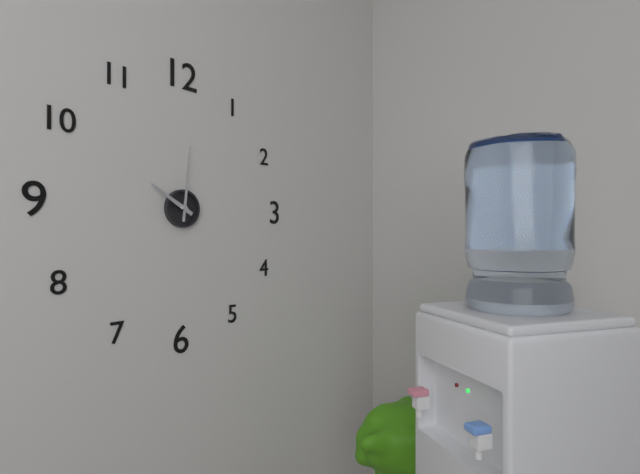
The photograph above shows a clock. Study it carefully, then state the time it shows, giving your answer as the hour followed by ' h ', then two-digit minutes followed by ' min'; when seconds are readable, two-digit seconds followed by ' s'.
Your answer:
10 h 01 min
